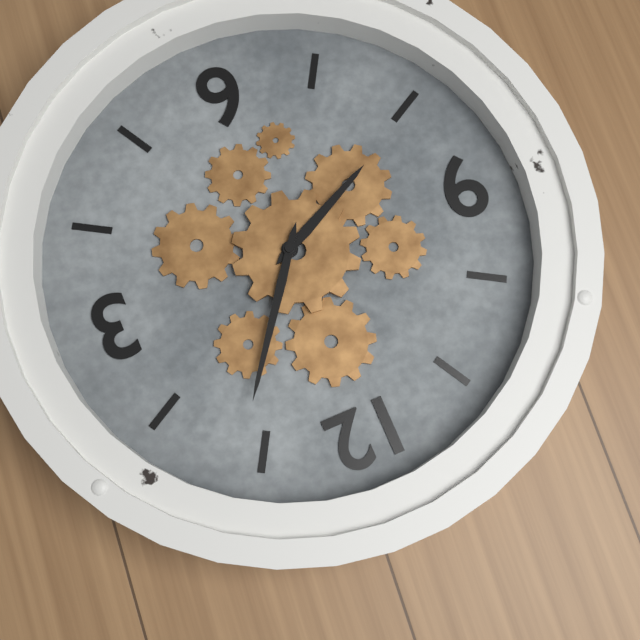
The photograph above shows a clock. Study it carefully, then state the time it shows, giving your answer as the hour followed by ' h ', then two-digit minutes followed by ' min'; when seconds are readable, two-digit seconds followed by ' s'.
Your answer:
8 h 06 min
